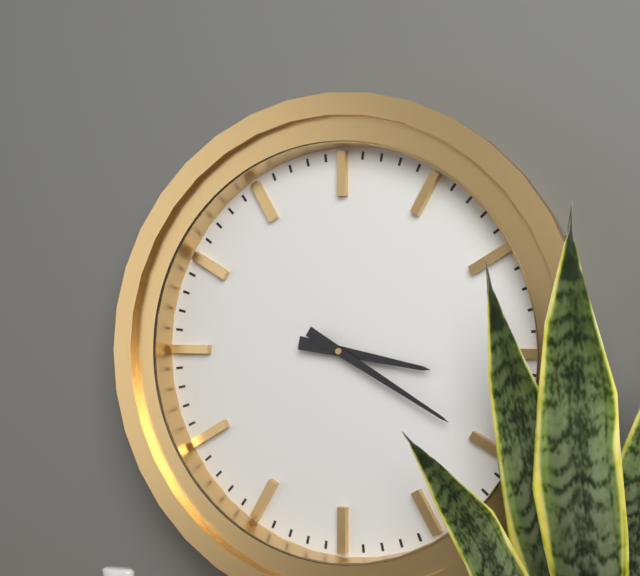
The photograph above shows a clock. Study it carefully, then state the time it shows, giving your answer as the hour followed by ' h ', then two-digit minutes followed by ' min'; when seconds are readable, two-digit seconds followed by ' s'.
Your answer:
3 h 20 min
